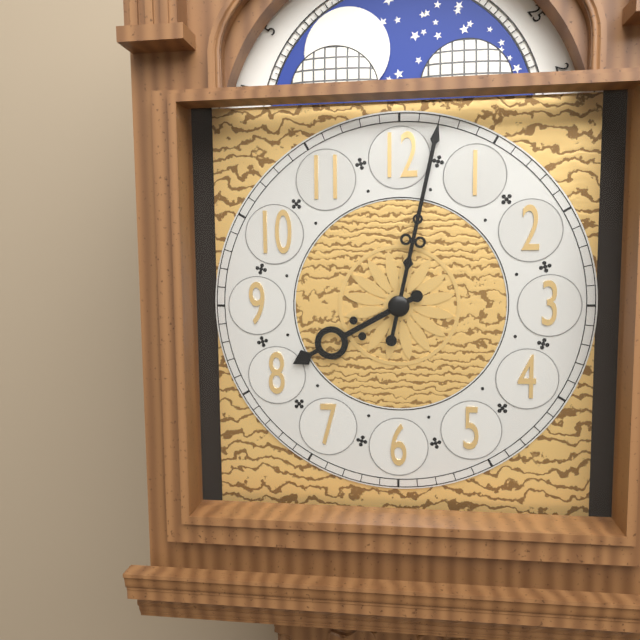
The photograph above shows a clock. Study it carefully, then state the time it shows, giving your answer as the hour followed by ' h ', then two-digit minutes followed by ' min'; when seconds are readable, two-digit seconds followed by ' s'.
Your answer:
8 h 02 min
